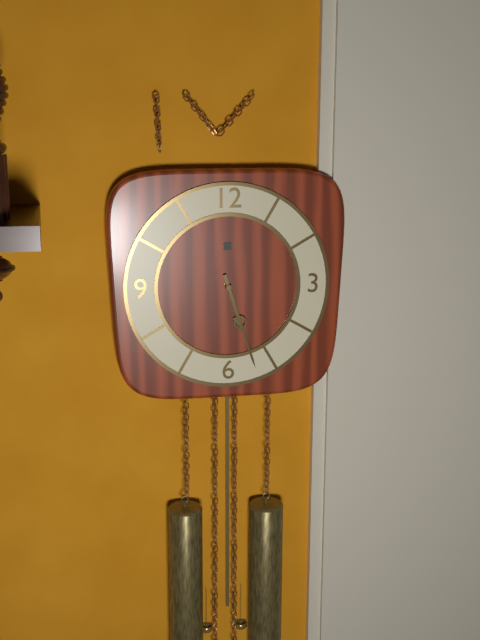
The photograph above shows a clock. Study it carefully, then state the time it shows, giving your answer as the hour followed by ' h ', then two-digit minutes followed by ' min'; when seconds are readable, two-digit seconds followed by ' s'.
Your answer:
5 h 27 min
